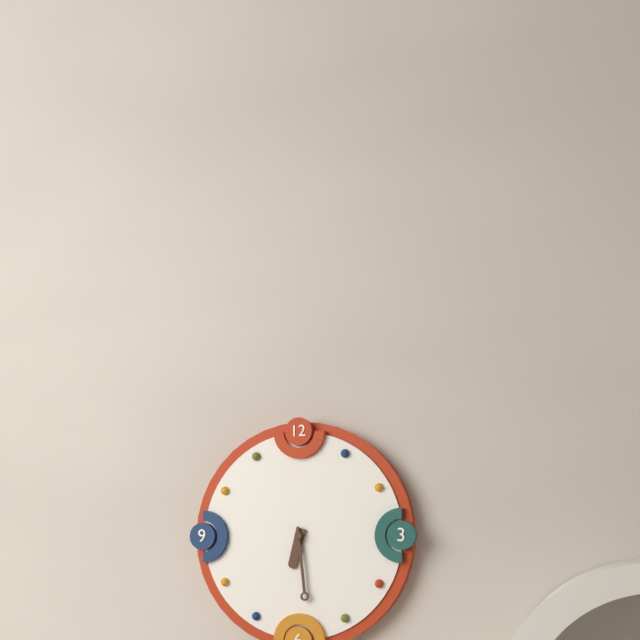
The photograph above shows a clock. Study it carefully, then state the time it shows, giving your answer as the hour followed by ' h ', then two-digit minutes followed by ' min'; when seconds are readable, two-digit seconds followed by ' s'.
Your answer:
6 h 29 min
